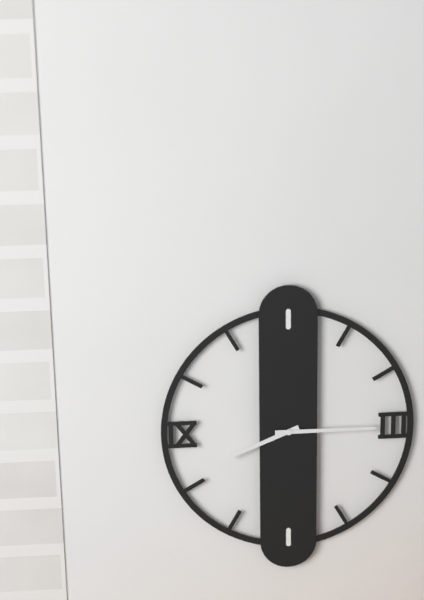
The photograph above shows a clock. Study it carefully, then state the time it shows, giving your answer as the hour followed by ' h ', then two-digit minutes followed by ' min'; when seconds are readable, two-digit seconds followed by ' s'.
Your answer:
8 h 15 min
